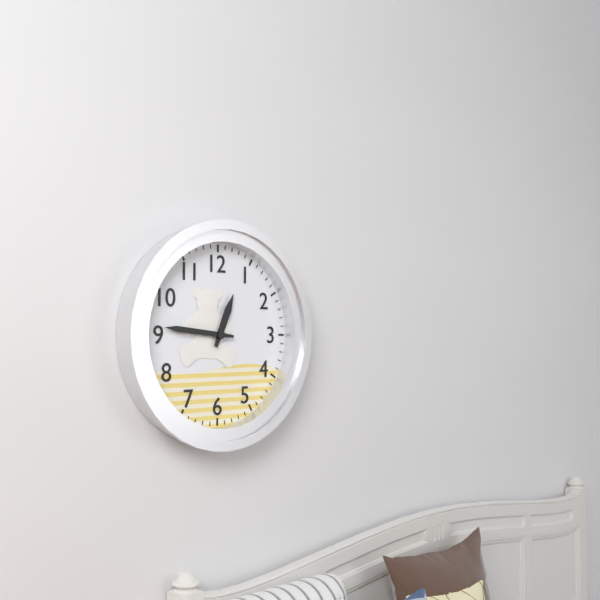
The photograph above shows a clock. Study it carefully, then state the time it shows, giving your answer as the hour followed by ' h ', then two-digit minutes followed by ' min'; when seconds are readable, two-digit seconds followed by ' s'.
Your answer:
12 h 46 min
